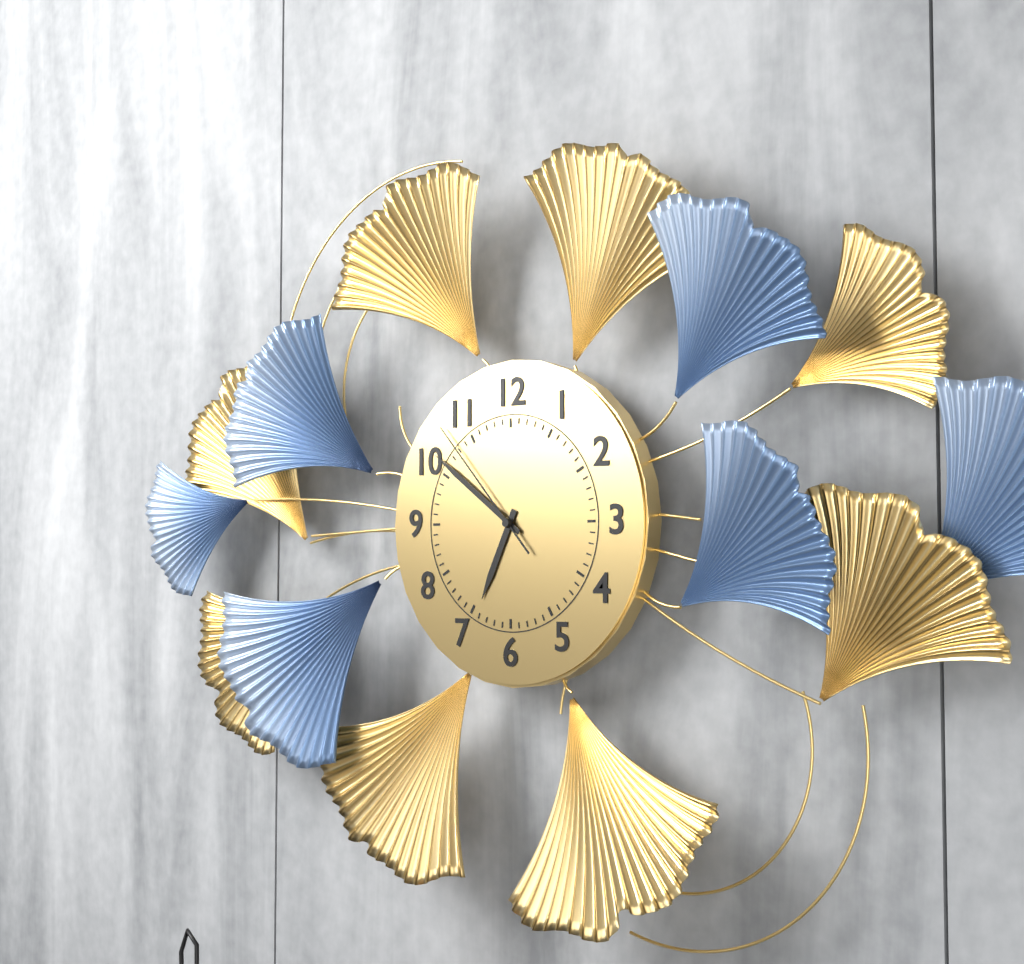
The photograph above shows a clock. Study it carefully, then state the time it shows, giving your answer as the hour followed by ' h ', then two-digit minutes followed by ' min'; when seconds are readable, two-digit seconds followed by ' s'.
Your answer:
6 h 51 min 53 s
